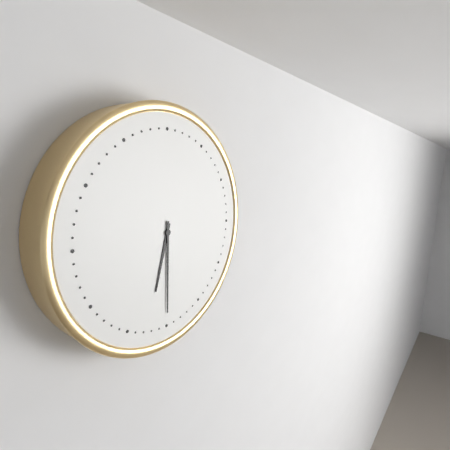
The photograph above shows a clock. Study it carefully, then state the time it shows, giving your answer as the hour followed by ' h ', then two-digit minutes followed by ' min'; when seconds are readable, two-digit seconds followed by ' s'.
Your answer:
6 h 30 min
